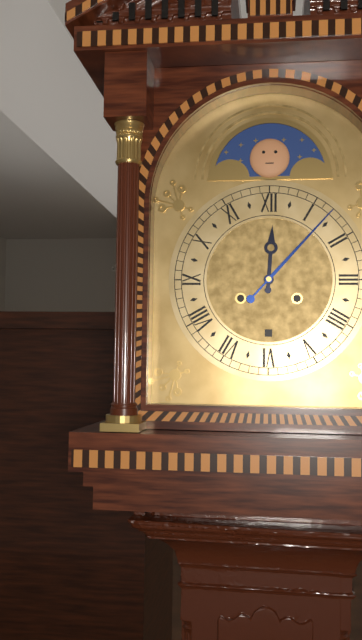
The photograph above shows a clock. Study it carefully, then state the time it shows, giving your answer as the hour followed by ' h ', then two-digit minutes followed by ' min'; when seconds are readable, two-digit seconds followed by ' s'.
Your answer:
12 h 07 min
